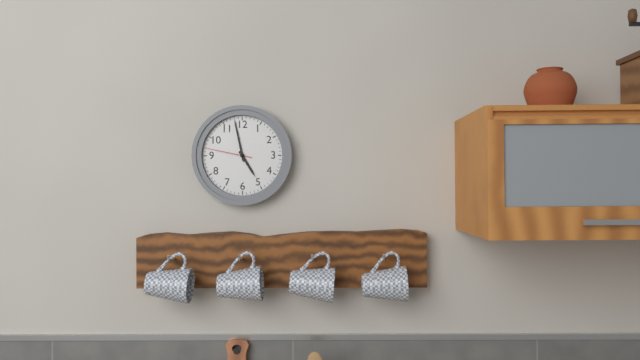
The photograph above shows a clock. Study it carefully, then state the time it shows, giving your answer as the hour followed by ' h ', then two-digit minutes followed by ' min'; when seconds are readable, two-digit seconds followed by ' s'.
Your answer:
4 h 58 min
